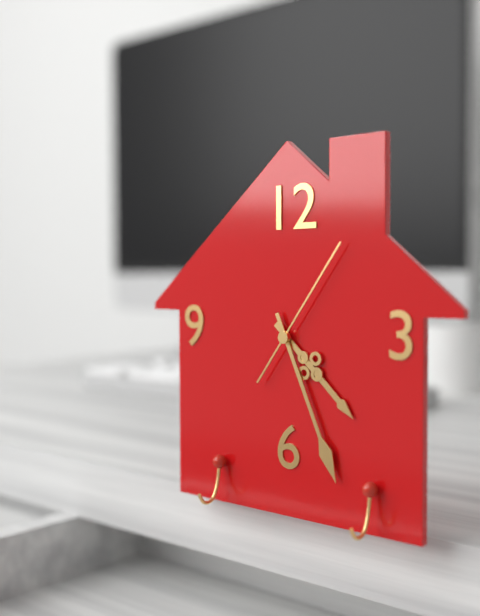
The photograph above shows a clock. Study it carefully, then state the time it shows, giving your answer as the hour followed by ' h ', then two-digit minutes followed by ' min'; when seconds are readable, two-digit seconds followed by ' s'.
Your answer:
4 h 26 min 06 s
